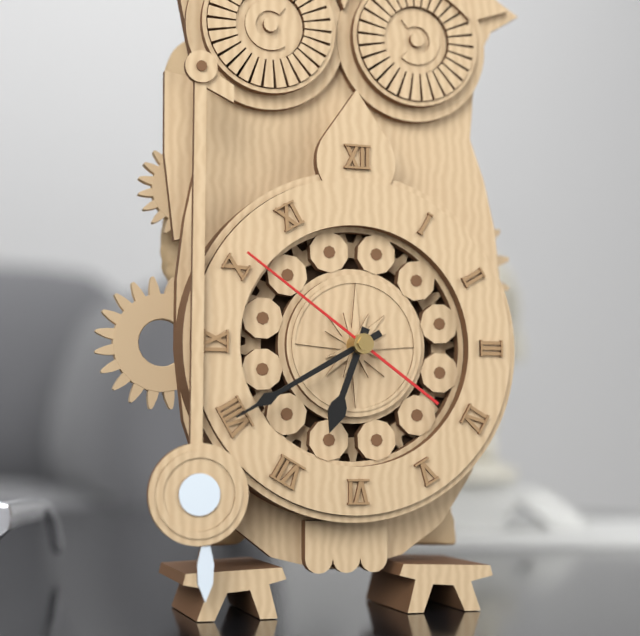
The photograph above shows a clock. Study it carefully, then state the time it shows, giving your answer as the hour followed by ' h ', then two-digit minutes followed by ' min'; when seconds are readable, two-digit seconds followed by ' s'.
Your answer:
6 h 40 min 51 s
